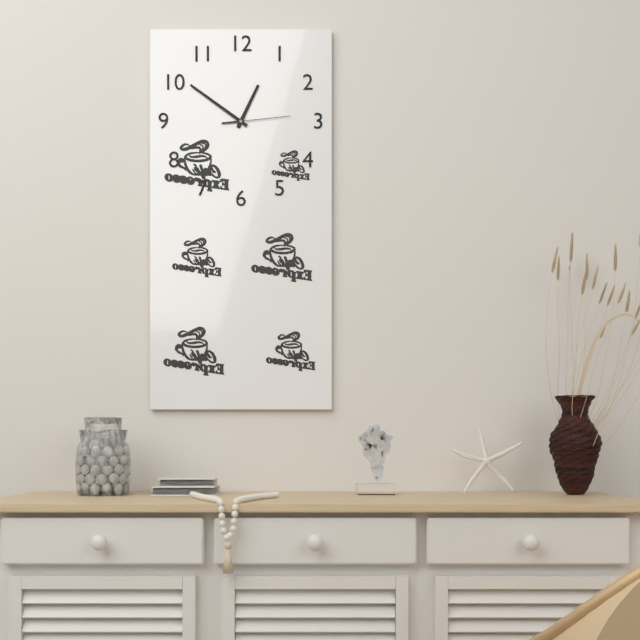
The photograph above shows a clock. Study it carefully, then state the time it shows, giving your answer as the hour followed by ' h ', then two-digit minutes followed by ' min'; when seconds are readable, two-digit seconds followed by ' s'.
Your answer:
12 h 51 min 14 s
